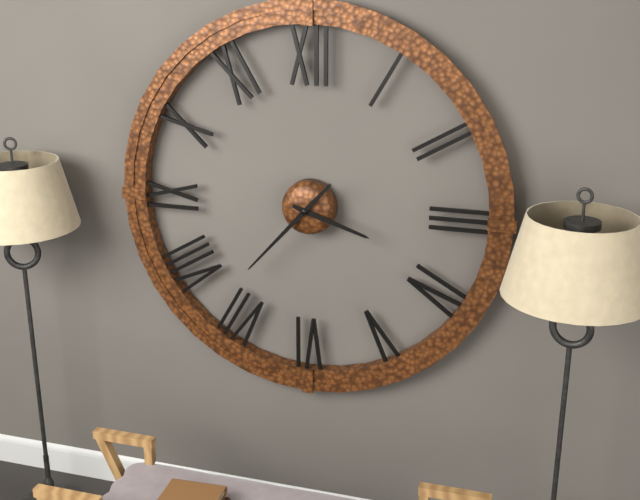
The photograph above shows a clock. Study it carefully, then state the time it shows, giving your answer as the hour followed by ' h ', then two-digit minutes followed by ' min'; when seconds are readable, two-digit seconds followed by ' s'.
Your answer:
3 h 37 min
